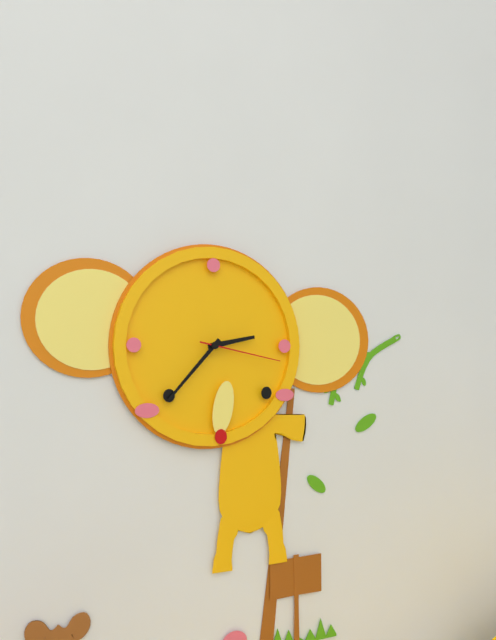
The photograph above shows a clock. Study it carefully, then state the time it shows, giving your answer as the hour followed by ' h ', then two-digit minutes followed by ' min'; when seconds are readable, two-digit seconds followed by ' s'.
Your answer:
2 h 37 min 17 s
